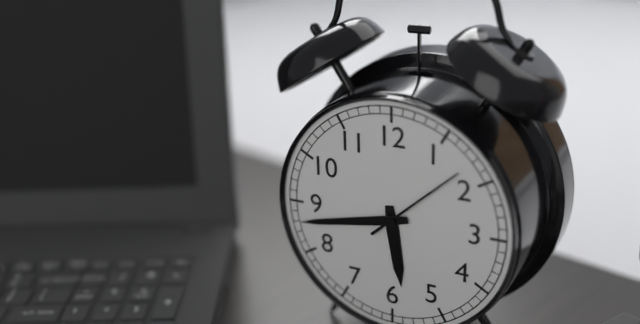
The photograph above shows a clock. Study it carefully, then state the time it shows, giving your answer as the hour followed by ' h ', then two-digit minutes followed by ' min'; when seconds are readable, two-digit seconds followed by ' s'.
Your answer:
5 h 43 min 08 s
